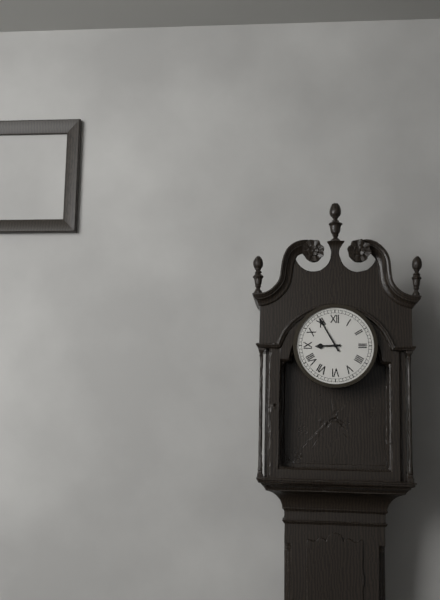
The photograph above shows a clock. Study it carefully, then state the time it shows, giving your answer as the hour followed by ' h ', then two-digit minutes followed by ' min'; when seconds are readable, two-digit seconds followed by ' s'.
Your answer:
8 h 55 min
